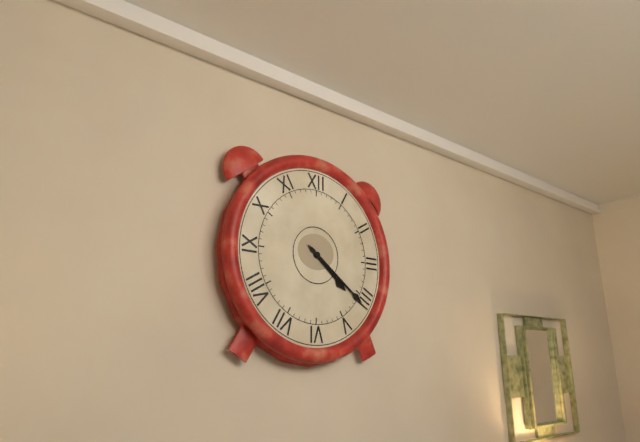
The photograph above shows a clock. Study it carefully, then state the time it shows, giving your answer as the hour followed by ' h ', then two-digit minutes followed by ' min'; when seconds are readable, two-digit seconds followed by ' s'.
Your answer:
4 h 21 min
